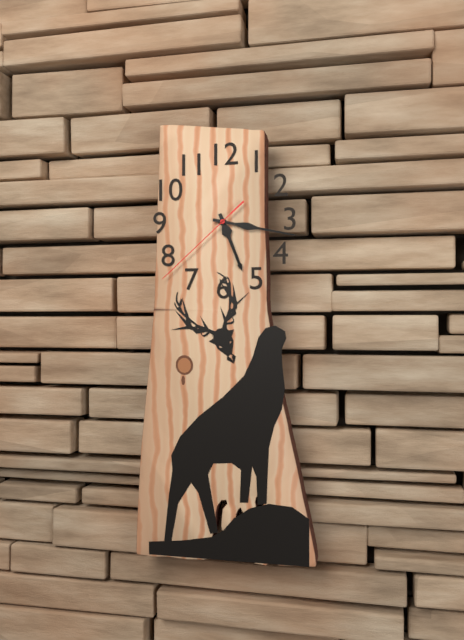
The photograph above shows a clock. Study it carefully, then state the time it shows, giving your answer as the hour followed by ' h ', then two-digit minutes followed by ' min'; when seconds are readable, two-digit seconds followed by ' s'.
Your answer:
5 h 17 min 38 s
